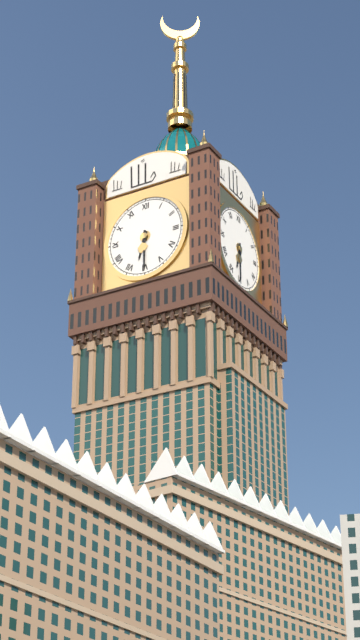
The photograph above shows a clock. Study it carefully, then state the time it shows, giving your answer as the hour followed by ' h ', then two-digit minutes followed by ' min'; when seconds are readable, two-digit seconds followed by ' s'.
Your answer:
6 h 30 min
